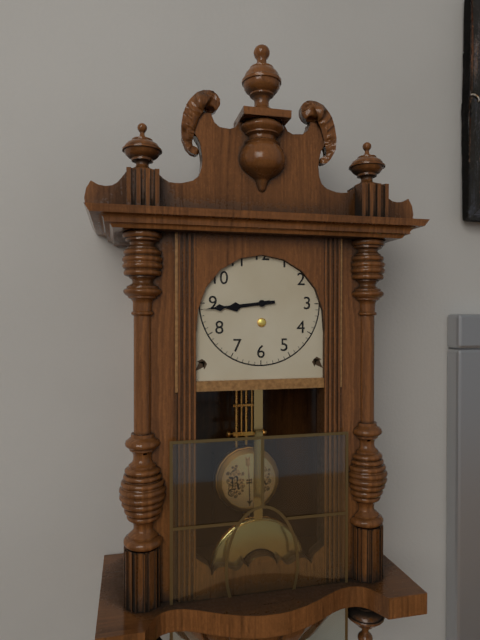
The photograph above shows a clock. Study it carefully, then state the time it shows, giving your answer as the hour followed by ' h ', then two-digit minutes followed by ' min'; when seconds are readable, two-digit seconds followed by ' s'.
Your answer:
8 h 44 min
